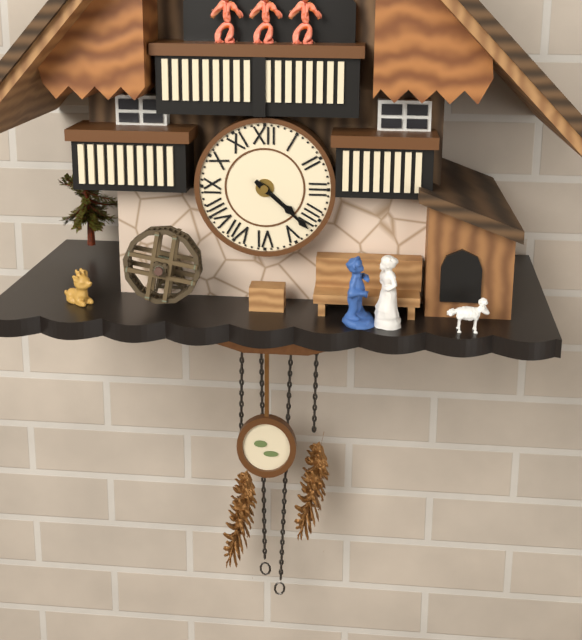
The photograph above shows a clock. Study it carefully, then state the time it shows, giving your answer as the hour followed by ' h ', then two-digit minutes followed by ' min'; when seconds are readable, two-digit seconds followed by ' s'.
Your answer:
4 h 22 min
